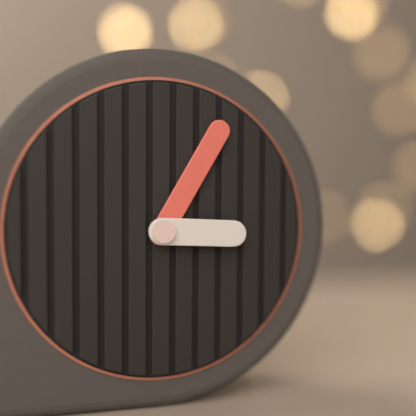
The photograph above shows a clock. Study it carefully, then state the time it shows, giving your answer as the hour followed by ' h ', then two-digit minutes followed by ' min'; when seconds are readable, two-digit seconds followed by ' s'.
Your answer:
3 h 05 min
